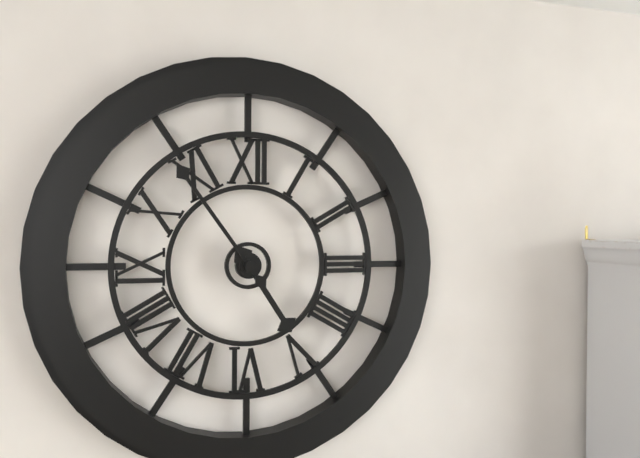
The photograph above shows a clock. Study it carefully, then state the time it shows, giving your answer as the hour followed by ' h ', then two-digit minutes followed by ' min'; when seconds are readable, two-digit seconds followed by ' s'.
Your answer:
4 h 54 min
